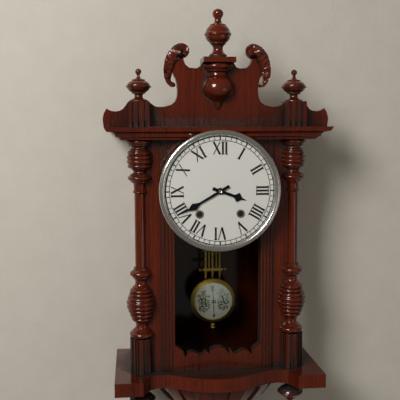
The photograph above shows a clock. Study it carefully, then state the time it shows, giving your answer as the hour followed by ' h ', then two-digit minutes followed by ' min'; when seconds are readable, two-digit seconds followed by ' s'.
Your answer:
3 h 40 min
